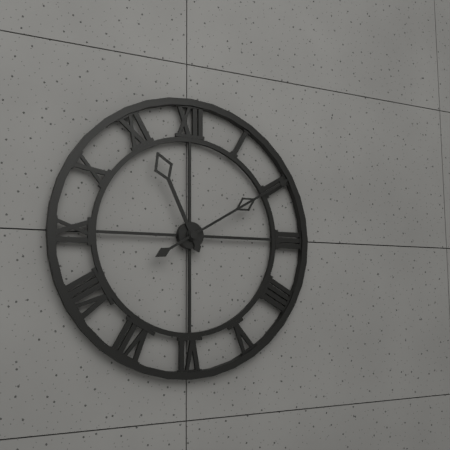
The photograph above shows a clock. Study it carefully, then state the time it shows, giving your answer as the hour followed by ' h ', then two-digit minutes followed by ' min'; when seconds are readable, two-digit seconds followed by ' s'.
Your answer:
11 h 10 min
